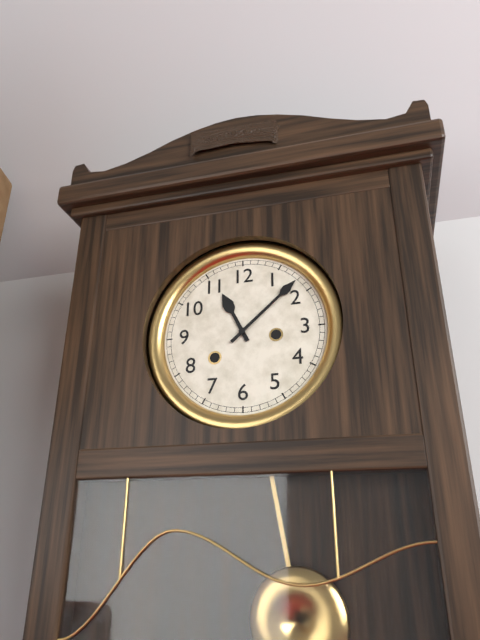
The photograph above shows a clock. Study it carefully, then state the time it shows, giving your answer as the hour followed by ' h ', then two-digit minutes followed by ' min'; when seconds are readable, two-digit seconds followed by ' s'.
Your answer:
11 h 08 min
